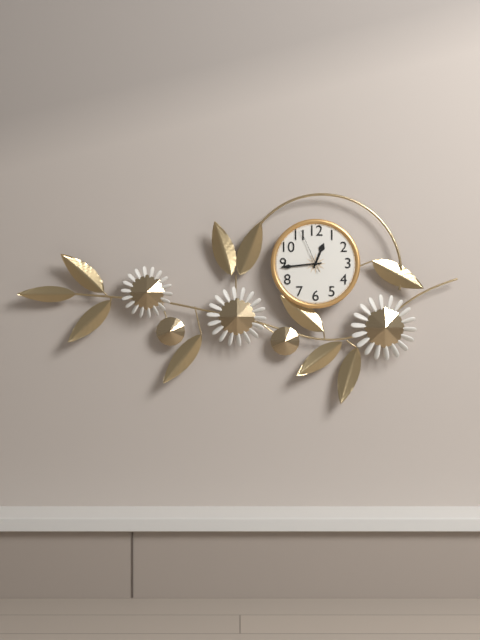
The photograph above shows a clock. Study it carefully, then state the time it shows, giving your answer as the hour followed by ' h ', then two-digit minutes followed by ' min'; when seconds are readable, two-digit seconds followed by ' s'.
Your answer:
12 h 44 min
